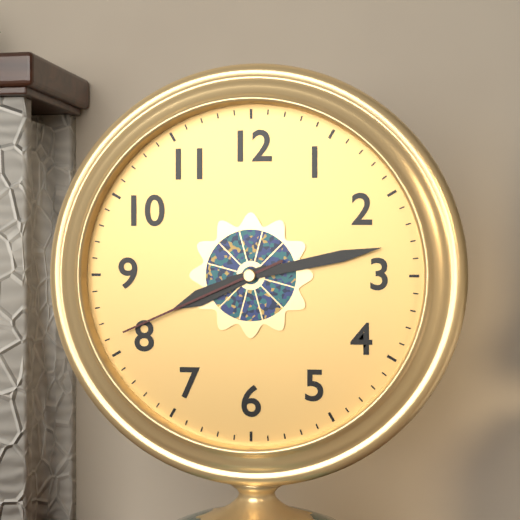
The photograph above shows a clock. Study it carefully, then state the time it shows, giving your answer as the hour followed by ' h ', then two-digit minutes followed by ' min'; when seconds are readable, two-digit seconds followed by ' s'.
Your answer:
8 h 13 min 41 s
